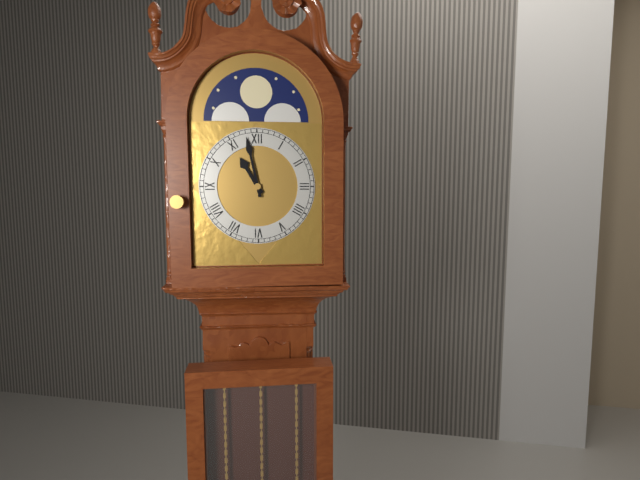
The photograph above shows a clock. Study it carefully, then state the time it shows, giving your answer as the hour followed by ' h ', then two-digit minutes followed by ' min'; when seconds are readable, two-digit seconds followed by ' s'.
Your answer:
10 h 58 min
